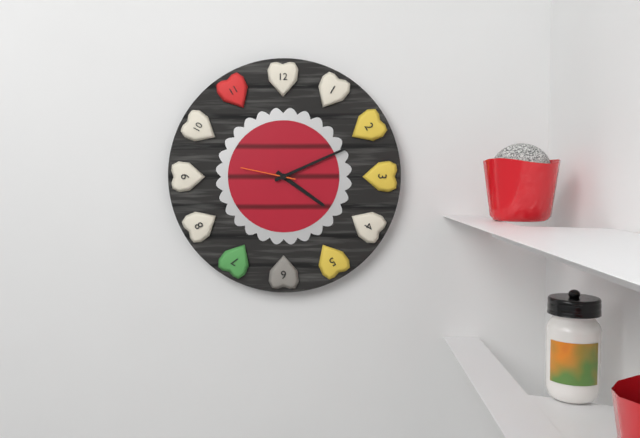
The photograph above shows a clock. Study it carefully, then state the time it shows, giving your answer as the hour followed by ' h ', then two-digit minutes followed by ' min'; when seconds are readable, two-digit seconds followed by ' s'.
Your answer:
4 h 11 min 47 s
